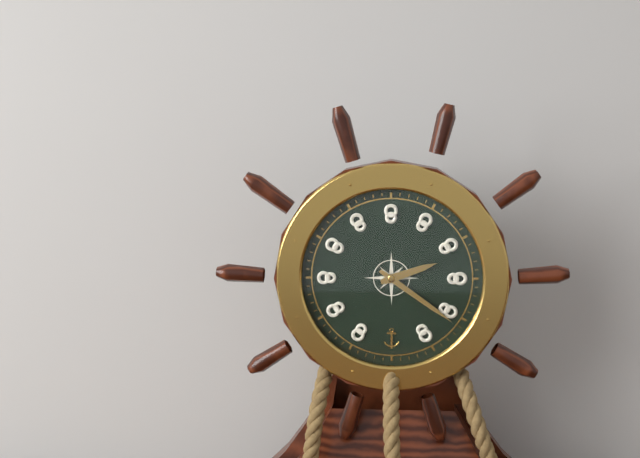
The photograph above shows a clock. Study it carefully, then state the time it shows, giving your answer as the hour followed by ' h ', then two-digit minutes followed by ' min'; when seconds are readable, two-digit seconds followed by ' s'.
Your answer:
2 h 21 min
